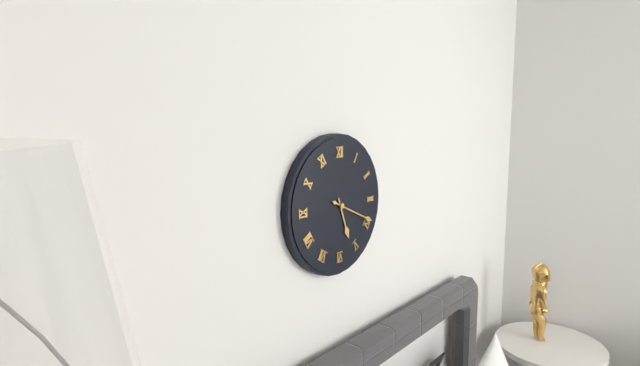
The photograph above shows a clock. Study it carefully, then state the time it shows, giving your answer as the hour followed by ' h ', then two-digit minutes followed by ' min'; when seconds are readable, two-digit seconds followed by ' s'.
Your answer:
5 h 19 min
